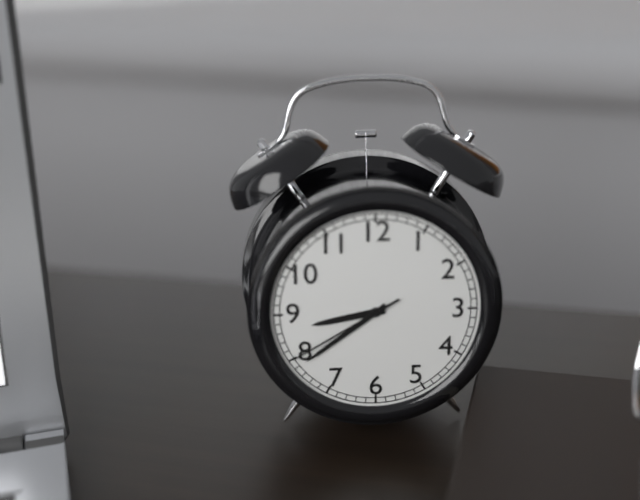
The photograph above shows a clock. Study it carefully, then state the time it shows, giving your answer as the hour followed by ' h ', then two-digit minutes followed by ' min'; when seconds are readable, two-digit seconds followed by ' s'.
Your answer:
8 h 39 min 40 s
